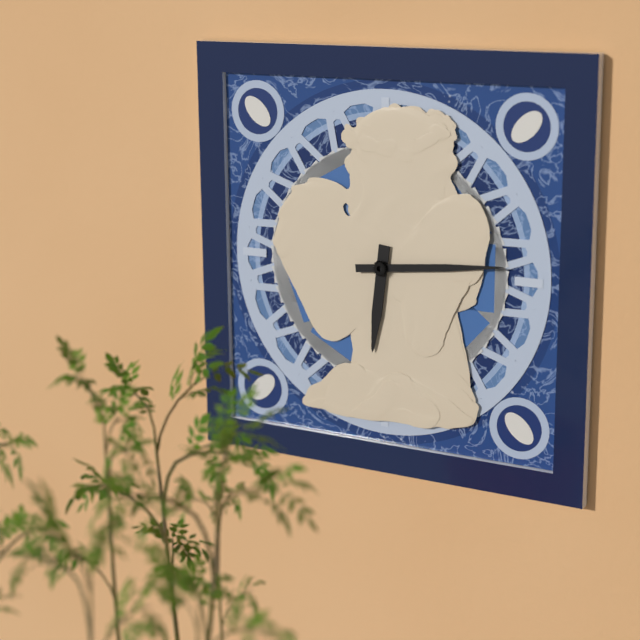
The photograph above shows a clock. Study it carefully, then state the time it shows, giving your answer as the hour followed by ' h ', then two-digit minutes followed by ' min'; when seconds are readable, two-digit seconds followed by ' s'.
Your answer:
6 h 14 min
